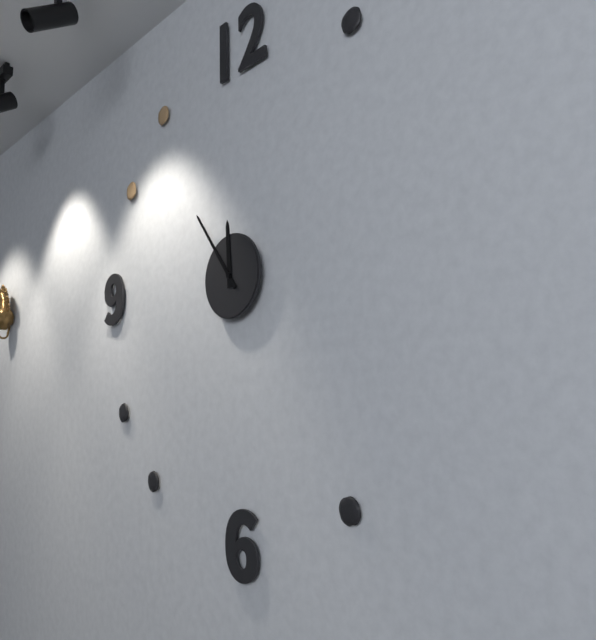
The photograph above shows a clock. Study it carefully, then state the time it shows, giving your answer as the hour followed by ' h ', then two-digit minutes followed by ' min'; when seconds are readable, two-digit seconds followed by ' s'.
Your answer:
11 h 54 min
